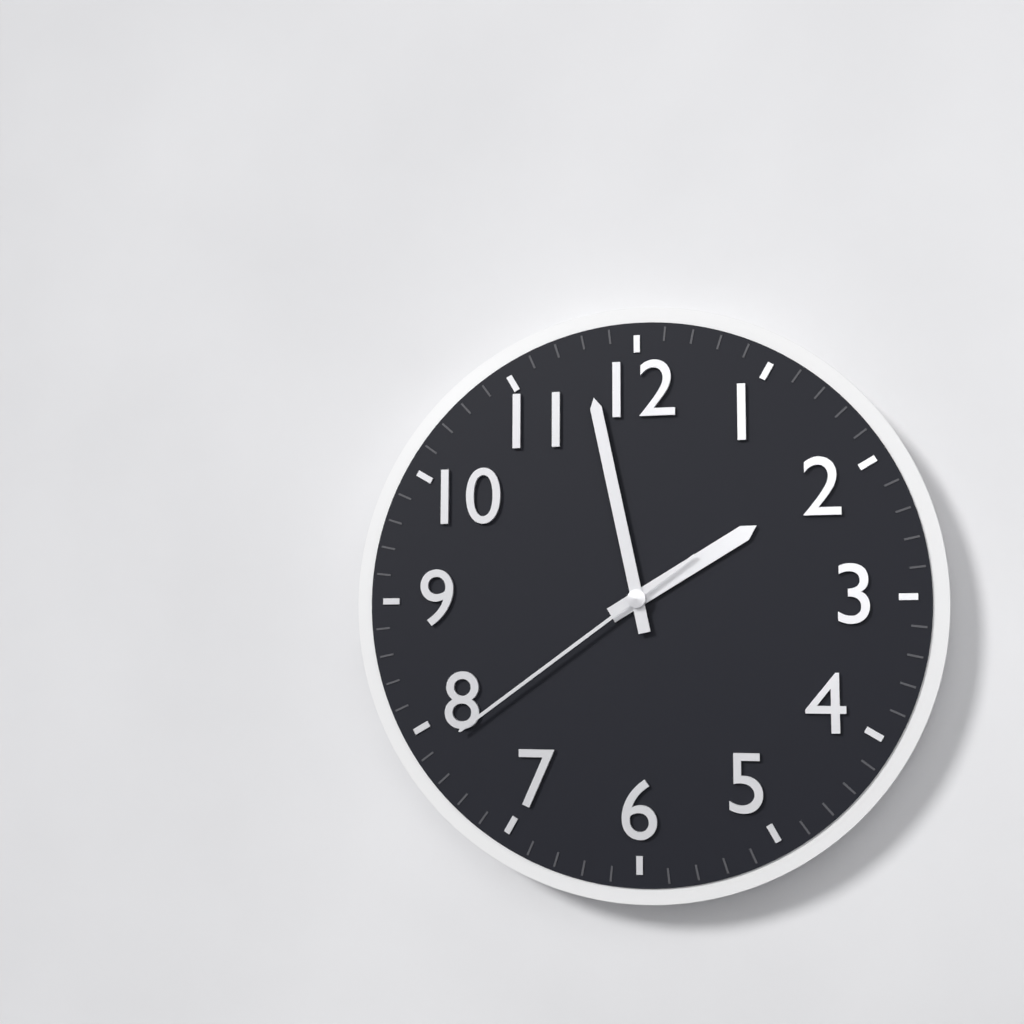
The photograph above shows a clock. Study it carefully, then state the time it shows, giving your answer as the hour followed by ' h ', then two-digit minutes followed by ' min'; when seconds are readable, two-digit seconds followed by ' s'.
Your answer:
1 h 58 min 39 s
